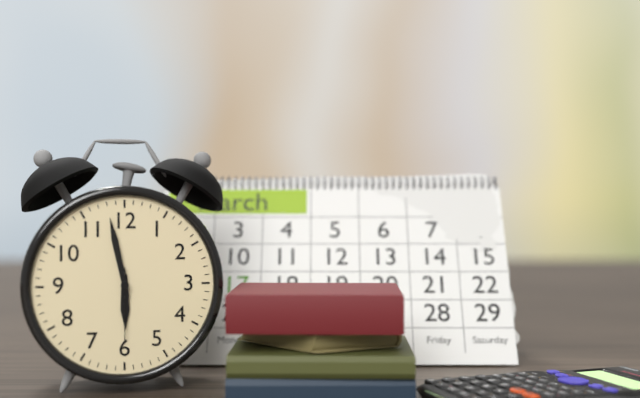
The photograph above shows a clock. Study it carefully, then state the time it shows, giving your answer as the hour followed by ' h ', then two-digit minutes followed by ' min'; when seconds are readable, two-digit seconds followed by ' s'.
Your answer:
5 h 58 min 30 s
